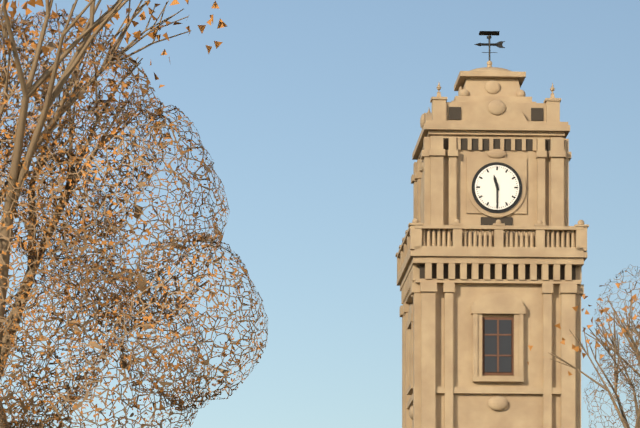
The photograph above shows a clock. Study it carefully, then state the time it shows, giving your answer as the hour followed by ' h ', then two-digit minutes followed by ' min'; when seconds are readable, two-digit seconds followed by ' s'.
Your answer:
11 h 30 min
